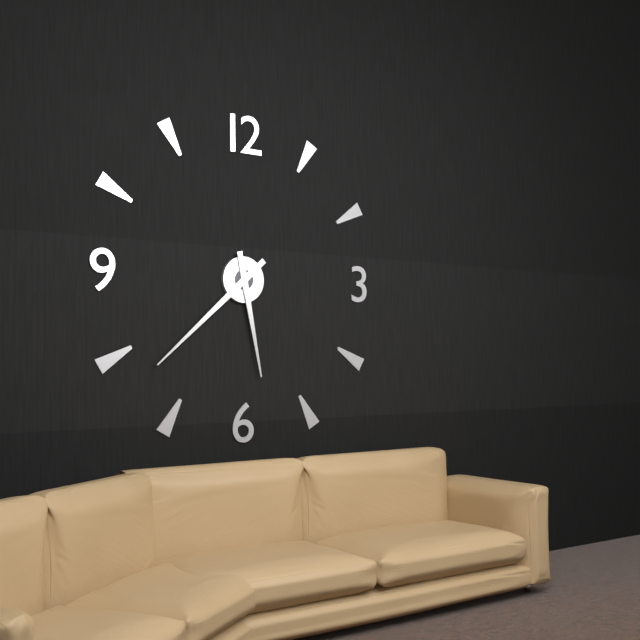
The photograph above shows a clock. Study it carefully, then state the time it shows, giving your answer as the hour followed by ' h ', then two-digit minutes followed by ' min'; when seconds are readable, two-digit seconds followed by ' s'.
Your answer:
5 h 38 min
